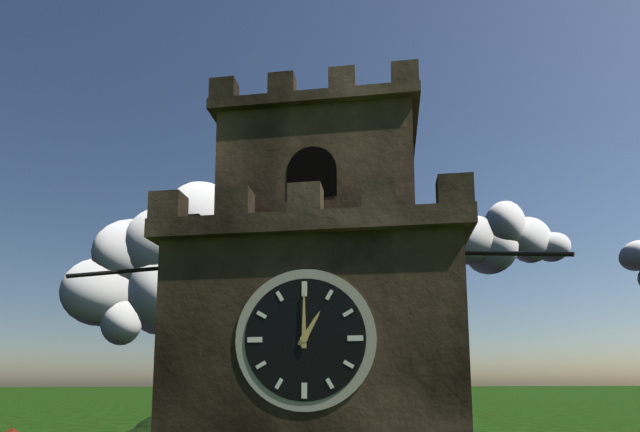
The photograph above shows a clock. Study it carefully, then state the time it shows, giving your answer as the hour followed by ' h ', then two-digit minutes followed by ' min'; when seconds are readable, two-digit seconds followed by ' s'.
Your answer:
1 h 00 min
